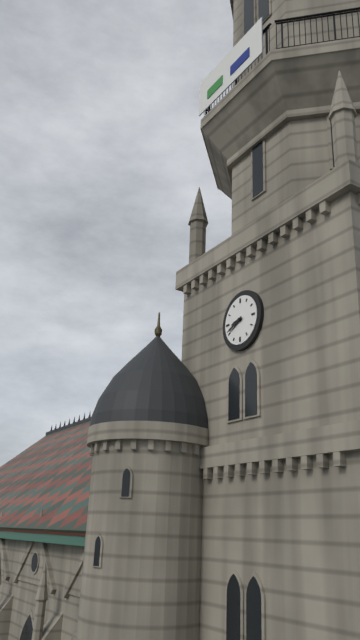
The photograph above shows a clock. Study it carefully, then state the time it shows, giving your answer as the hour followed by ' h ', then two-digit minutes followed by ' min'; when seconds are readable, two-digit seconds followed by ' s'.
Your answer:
8 h 41 min
